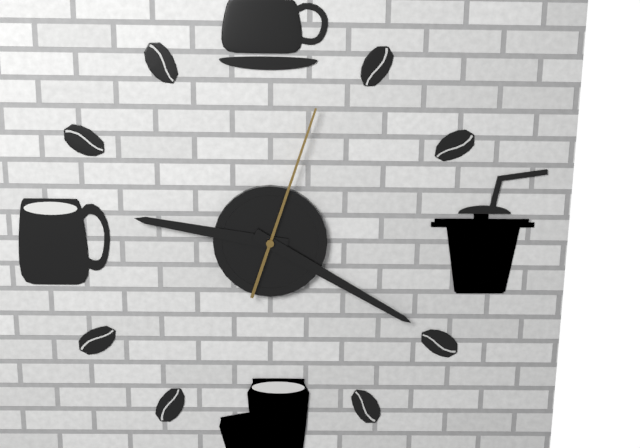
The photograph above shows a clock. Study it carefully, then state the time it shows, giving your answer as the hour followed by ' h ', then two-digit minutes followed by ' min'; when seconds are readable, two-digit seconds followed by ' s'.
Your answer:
9 h 20 min 03 s
